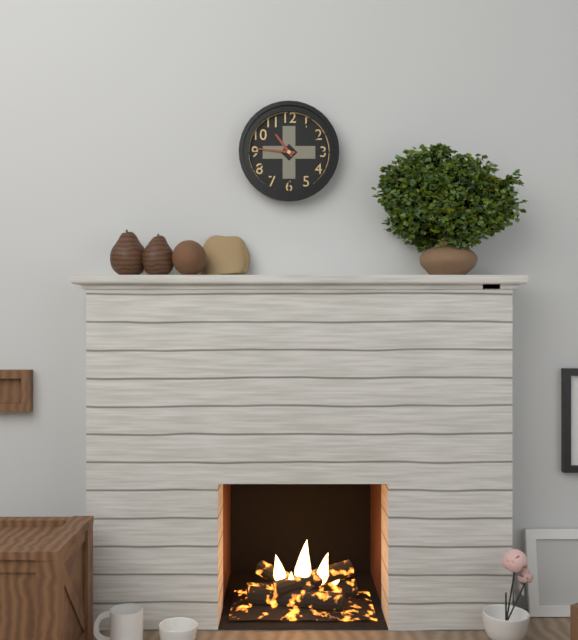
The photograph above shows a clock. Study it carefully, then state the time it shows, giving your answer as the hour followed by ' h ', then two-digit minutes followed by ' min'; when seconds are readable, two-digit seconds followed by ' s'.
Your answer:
10 h 46 min
